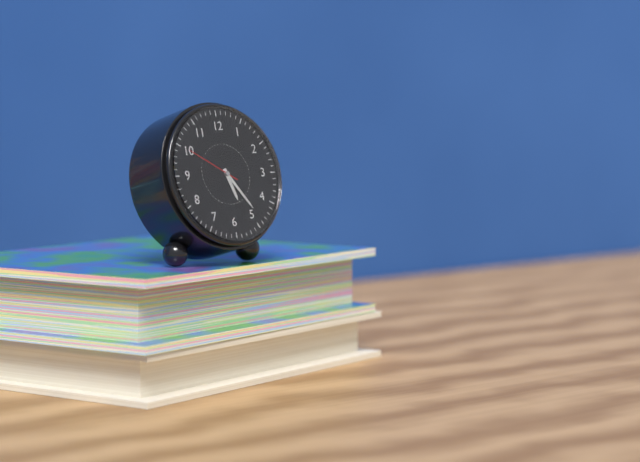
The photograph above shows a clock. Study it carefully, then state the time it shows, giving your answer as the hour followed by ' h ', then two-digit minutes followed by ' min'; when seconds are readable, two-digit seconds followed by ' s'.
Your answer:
5 h 24 min 50 s
